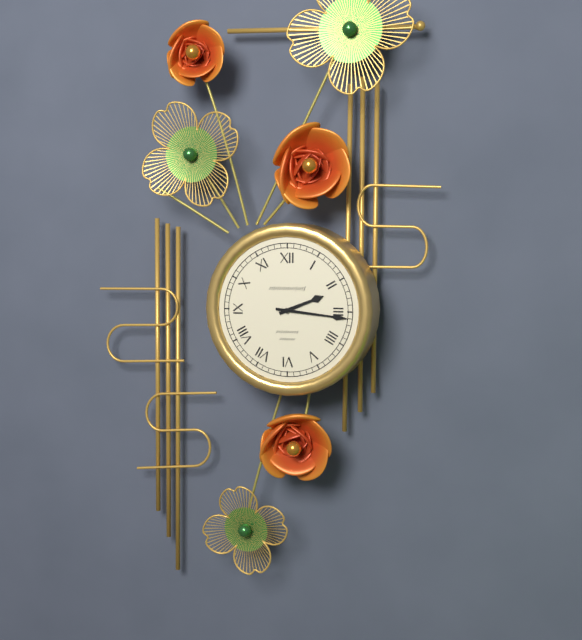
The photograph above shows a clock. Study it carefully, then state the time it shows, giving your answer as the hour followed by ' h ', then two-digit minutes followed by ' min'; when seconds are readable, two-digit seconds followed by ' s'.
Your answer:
2 h 16 min
